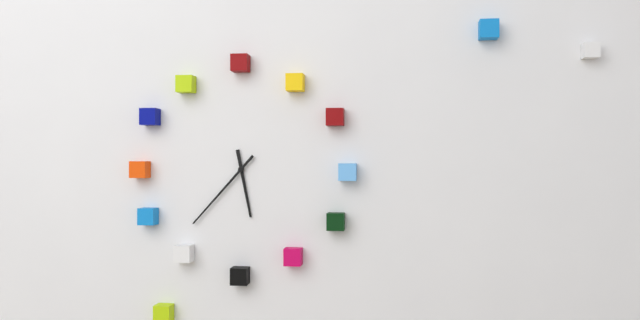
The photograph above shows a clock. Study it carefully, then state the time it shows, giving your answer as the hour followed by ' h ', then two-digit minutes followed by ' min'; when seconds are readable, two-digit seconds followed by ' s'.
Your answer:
5 h 37 min
